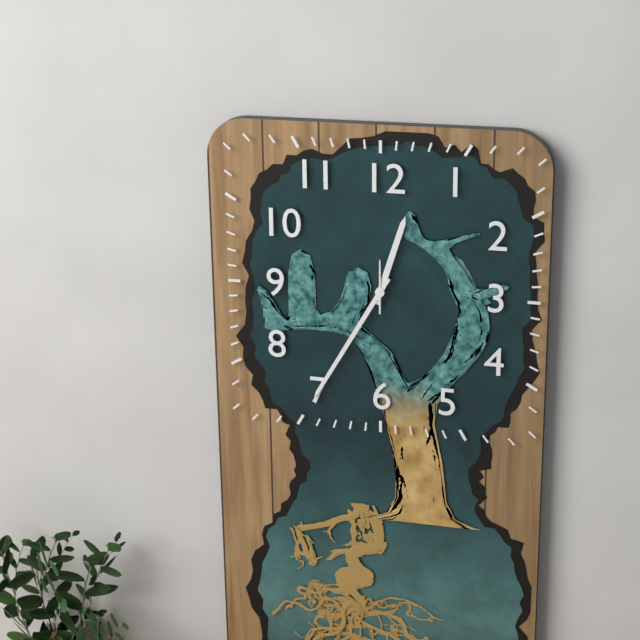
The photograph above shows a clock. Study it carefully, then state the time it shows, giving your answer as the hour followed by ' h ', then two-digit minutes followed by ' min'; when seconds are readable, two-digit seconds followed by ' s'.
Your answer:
12 h 35 min
